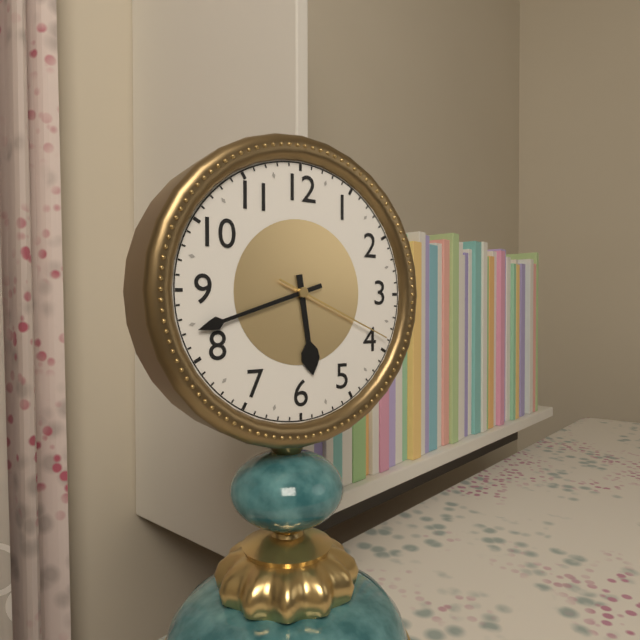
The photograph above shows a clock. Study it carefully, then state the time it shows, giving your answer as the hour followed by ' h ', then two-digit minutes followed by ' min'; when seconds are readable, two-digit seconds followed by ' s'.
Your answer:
5 h 42 min 19 s
